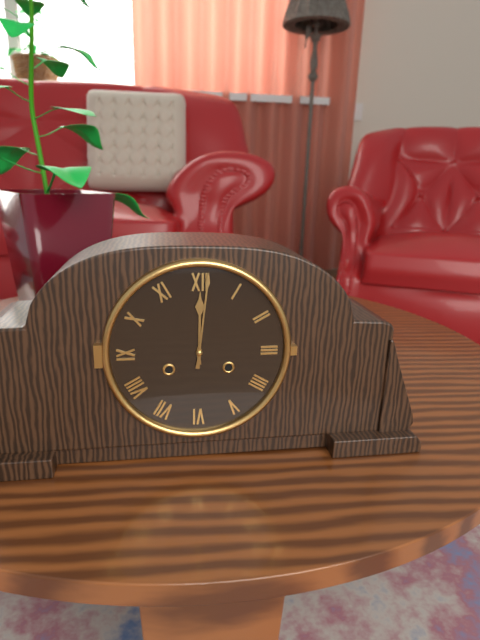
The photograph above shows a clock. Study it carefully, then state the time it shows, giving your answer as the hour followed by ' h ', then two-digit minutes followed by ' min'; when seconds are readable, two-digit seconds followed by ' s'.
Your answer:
12 h 01 min
